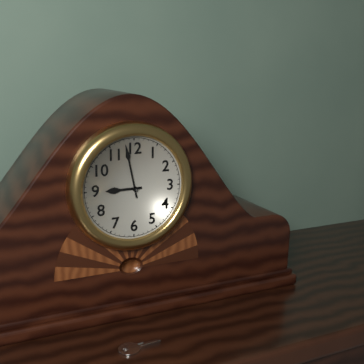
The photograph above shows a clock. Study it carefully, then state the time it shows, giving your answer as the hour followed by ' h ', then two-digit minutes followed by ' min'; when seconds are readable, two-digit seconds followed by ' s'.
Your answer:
8 h 58 min
